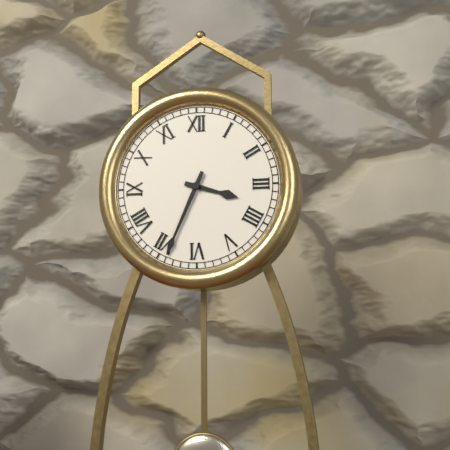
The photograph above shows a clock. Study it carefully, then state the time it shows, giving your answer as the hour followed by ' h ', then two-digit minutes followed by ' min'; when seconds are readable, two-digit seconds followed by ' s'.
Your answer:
3 h 34 min
